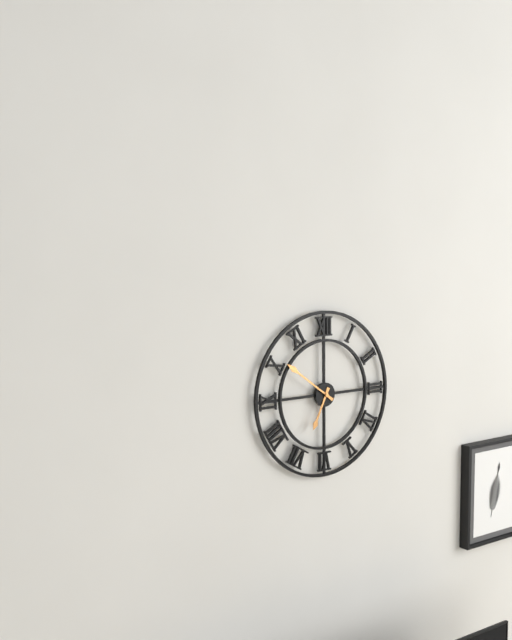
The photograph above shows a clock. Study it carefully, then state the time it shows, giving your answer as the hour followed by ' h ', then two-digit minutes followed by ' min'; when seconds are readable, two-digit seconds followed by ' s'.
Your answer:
6 h 51 min
